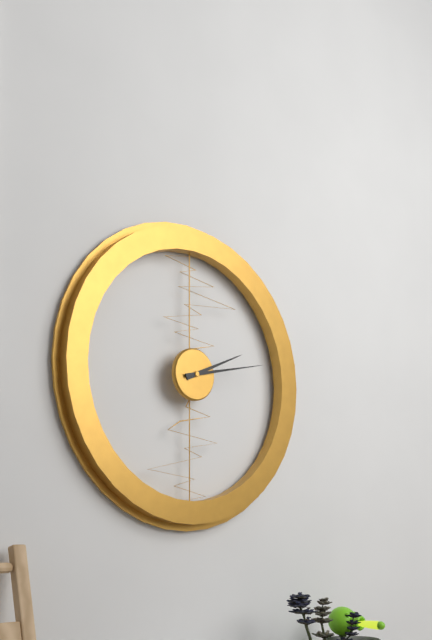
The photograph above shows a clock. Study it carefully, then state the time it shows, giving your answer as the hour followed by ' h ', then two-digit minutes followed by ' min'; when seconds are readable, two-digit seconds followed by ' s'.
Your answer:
2 h 13 min
